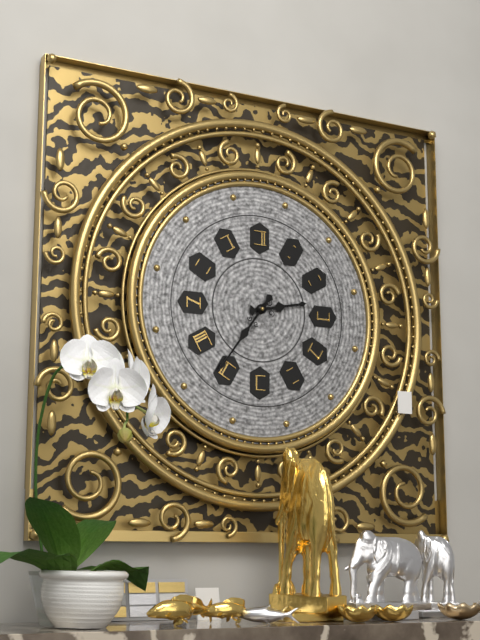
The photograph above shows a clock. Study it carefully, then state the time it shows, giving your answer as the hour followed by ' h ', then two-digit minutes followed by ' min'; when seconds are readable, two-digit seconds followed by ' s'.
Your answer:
2 h 36 min
